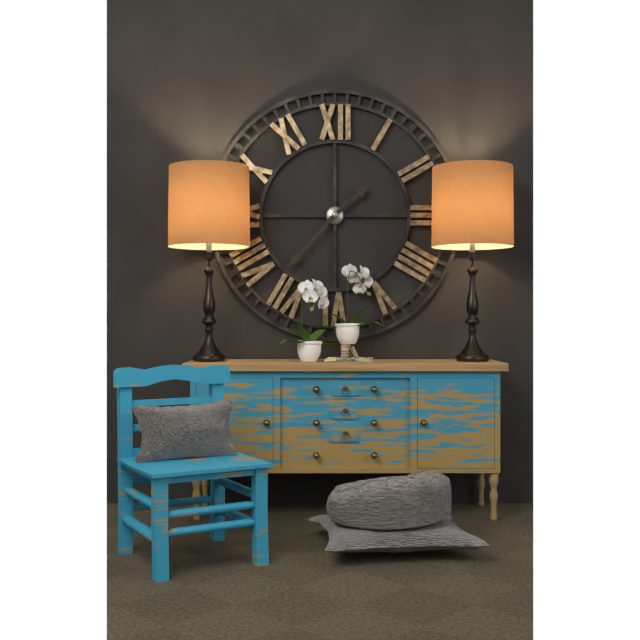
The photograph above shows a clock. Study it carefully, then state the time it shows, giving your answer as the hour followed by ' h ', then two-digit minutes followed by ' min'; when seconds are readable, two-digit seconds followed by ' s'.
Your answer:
1 h 37 min
